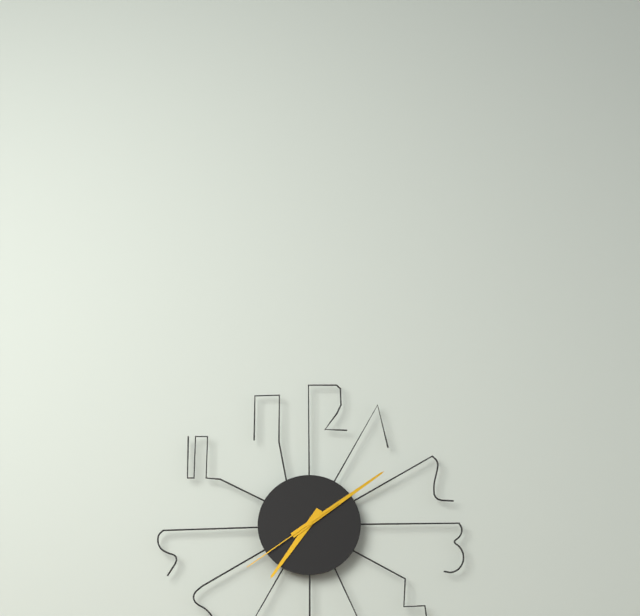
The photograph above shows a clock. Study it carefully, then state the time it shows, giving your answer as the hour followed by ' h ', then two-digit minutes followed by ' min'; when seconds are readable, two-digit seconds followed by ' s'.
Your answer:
7 h 09 min 39 s
